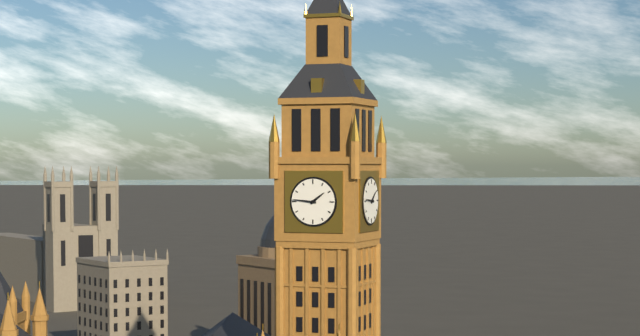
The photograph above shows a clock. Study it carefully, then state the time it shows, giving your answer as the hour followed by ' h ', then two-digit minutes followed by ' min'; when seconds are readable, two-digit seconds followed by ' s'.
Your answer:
1 h 46 min
